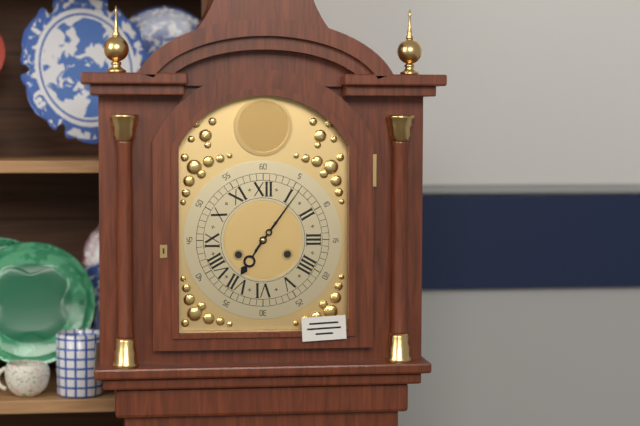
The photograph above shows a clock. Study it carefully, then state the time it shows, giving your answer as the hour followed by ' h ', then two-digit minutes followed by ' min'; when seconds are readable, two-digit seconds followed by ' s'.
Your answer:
7 h 06 min
